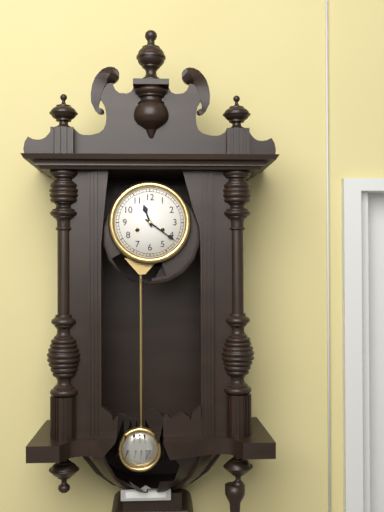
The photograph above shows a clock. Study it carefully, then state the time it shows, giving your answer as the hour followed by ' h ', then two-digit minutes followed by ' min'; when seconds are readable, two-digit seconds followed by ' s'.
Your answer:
11 h 21 min
